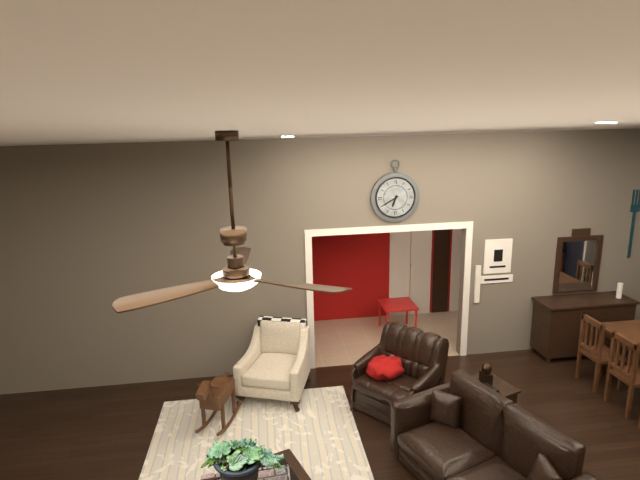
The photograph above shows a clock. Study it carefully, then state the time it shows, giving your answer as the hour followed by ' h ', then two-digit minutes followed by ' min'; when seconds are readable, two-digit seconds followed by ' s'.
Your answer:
6 h 40 min
